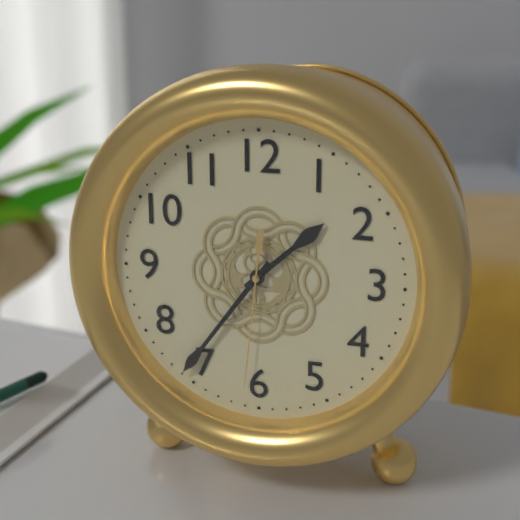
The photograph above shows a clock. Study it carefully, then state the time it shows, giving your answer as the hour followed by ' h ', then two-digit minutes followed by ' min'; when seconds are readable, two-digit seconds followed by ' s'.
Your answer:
1 h 36 min 31 s
